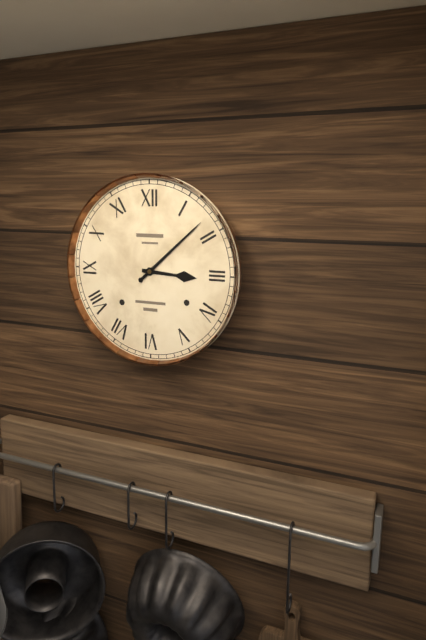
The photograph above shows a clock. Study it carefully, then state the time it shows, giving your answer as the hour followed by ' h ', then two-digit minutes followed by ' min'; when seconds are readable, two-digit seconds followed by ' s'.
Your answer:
3 h 08 min
